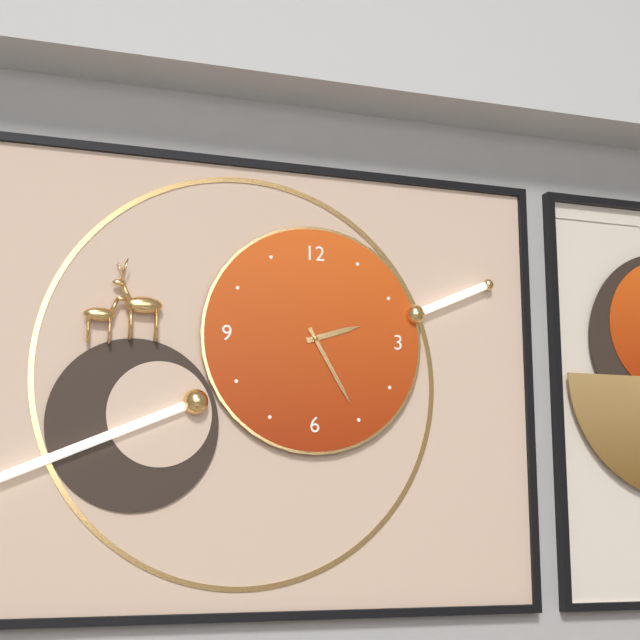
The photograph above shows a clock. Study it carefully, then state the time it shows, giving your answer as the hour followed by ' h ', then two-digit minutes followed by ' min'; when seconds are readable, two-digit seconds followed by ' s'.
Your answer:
2 h 25 min
